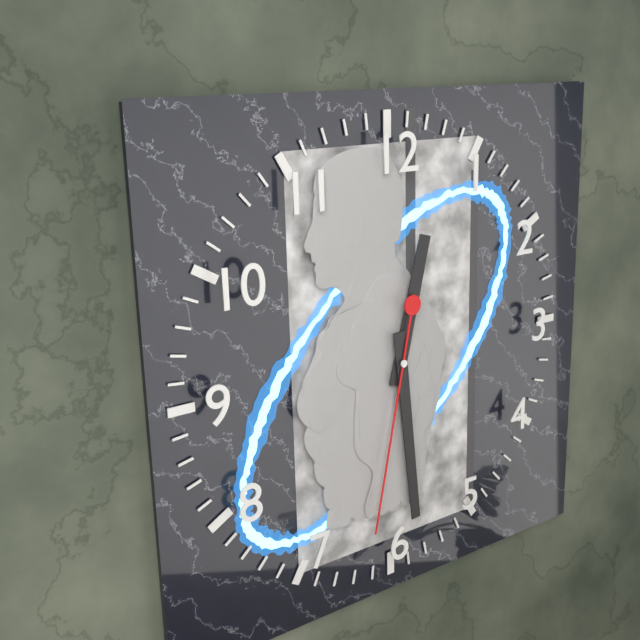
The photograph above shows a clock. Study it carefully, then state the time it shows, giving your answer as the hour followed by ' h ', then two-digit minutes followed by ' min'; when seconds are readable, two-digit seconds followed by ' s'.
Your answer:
12 h 29 min 32 s
